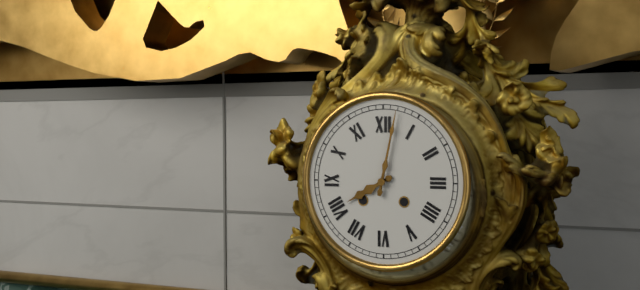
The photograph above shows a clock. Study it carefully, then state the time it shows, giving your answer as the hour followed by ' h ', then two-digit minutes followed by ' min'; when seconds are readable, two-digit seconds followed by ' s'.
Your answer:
8 h 02 min
